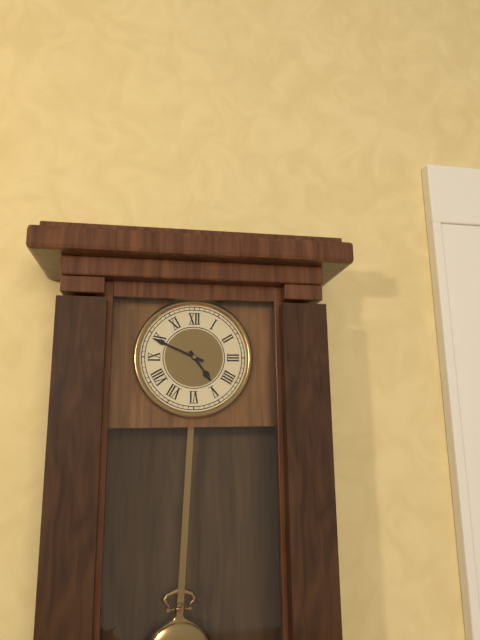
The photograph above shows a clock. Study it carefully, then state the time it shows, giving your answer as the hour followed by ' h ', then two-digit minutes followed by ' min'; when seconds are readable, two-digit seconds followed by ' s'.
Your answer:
4 h 49 min
